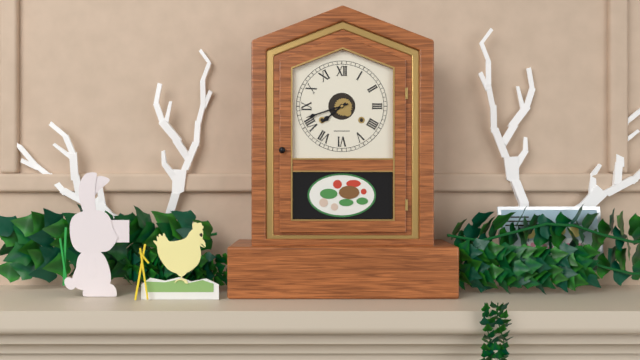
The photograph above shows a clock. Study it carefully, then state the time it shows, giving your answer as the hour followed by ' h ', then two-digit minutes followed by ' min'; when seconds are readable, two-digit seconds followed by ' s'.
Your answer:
7 h 42 min
